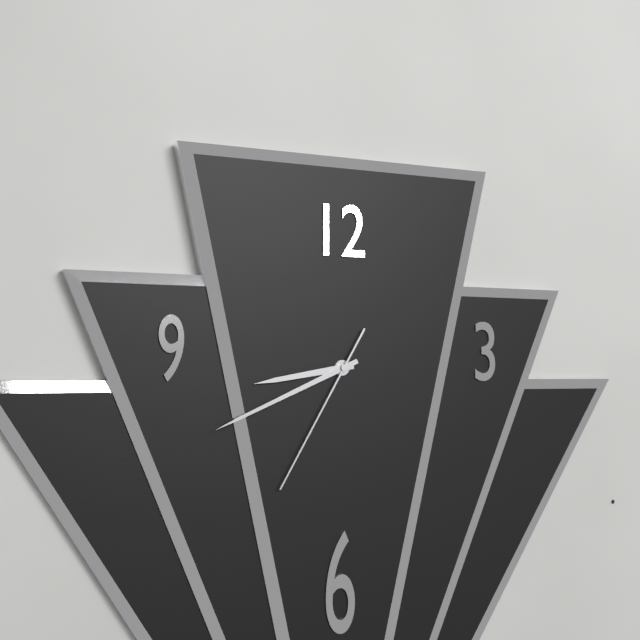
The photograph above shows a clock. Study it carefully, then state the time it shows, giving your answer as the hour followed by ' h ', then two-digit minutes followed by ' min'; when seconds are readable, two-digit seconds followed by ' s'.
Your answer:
8 h 41 min 35 s
